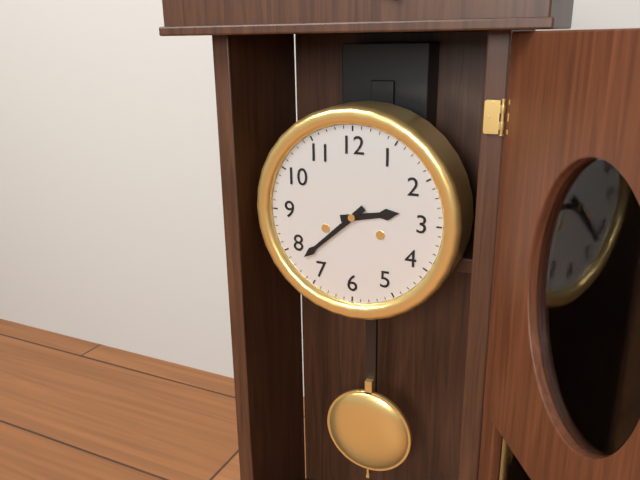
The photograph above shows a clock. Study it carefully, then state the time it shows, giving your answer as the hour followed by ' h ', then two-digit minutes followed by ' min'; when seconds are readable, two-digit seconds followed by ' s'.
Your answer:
2 h 38 min
